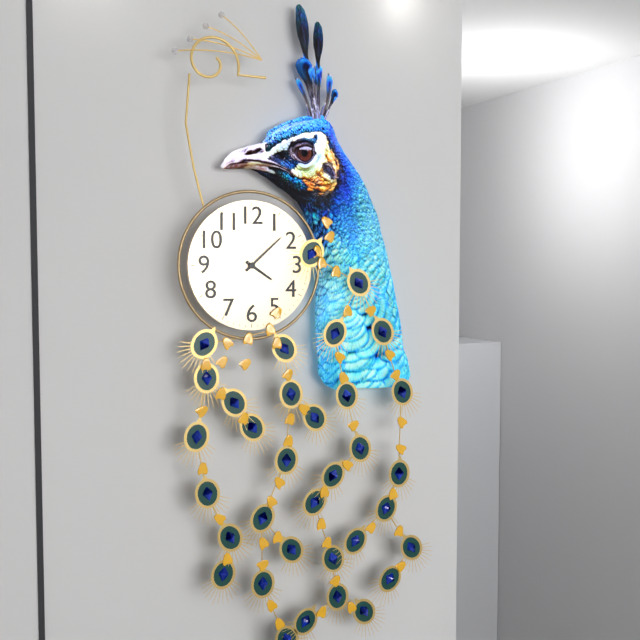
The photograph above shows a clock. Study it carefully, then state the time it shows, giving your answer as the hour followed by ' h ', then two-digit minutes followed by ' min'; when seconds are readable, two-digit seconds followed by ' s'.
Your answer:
4 h 08 min
